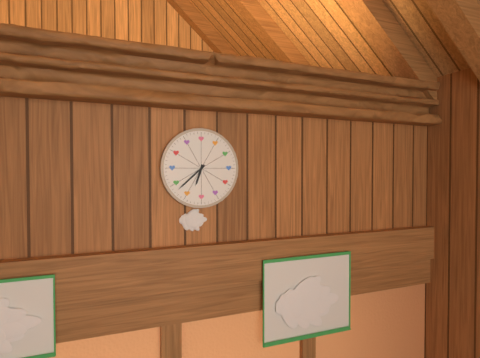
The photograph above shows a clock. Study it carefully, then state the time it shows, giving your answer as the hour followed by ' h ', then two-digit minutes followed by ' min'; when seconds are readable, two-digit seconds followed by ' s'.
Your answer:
6 h 38 min
